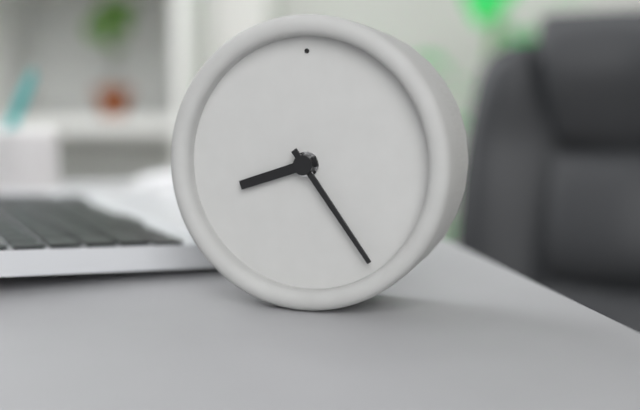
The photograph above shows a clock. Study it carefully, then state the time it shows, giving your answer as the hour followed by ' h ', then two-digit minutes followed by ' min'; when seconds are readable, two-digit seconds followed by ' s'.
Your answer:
8 h 24 min
